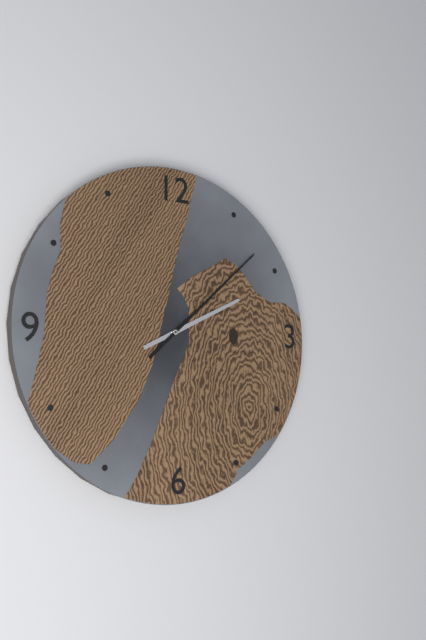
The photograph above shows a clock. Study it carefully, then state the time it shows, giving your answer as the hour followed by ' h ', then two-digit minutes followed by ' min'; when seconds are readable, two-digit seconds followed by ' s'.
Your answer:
2 h 08 min
